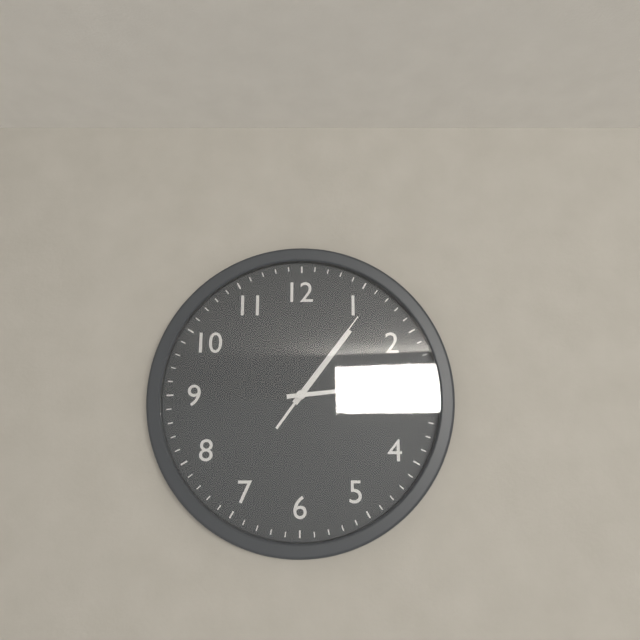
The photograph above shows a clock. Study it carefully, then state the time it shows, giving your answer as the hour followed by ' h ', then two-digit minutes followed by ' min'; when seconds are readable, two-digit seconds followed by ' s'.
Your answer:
1 h 14 min 06 s
